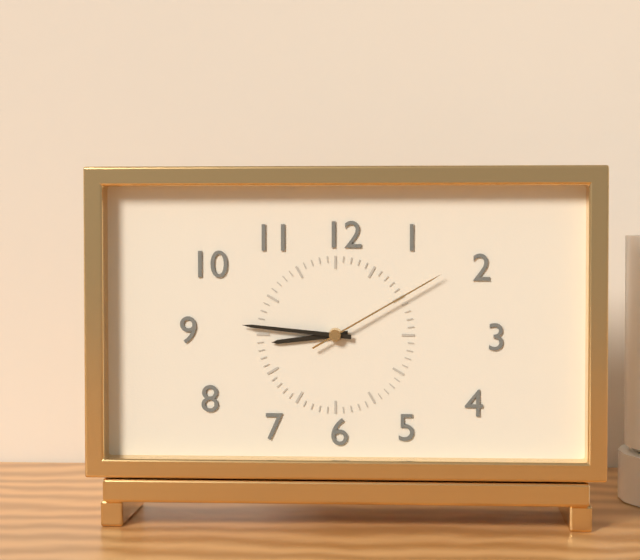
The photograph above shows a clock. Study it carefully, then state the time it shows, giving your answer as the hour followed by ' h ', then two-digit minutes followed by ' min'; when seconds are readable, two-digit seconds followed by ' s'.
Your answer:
8 h 46 min 10 s
